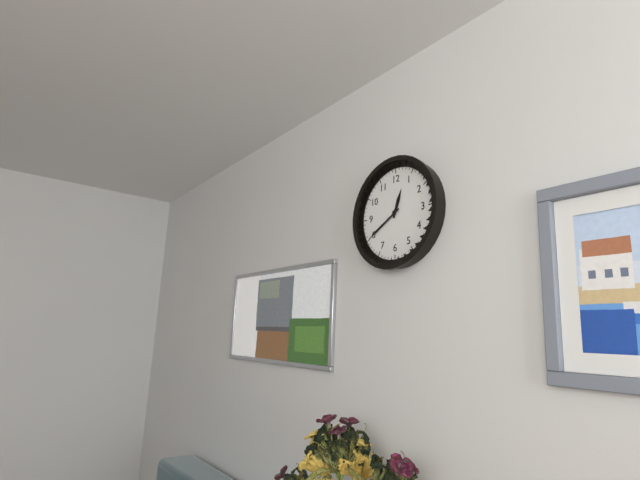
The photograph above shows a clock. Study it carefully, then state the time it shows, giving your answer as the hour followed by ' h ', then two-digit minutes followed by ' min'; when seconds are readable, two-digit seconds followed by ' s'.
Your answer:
12 h 40 min
